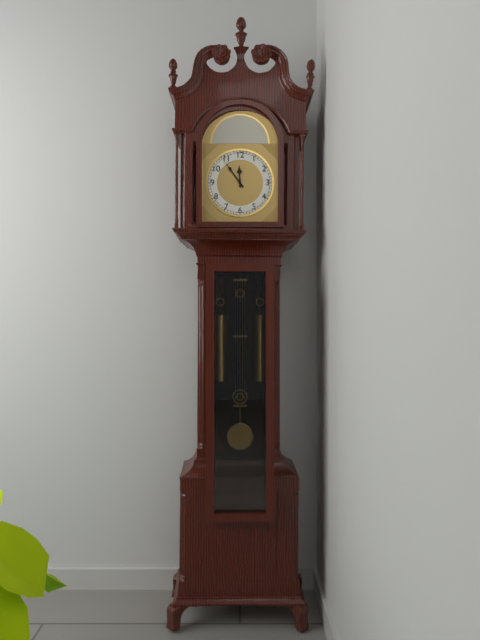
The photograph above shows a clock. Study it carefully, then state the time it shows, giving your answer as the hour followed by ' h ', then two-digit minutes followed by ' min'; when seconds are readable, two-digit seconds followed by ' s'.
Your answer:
11 h 54 min
